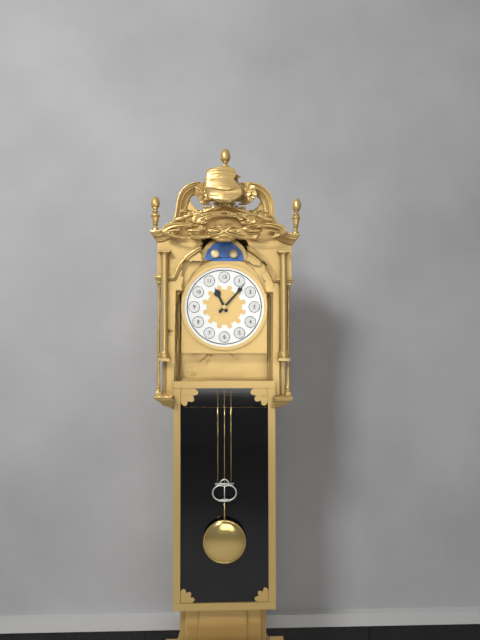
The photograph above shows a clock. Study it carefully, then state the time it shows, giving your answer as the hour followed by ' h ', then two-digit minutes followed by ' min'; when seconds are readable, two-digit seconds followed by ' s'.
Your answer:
11 h 07 min
